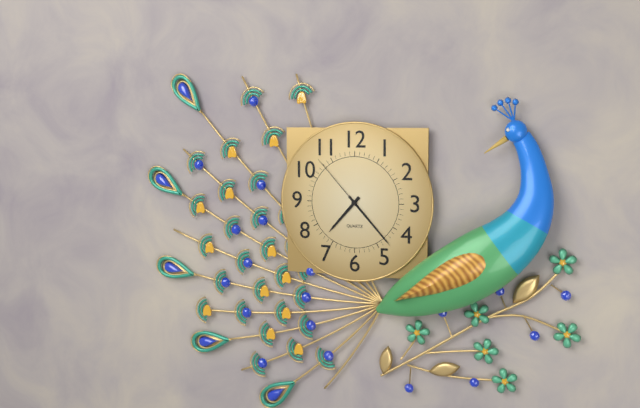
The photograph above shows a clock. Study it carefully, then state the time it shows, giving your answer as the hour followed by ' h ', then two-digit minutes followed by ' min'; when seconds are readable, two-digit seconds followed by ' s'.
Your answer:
7 h 23 min 53 s
